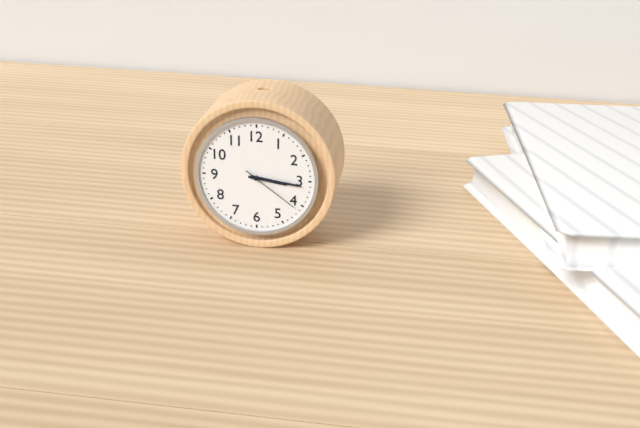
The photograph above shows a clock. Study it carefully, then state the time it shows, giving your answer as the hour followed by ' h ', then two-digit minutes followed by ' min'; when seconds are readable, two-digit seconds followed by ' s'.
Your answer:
3 h 16 min 21 s
